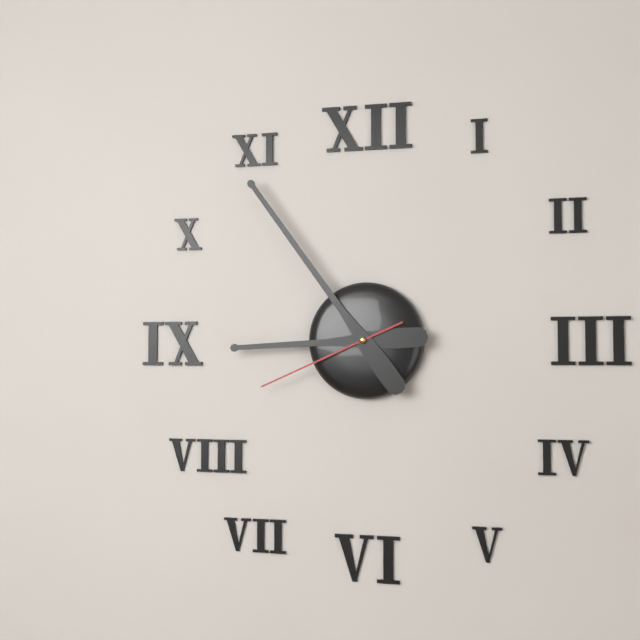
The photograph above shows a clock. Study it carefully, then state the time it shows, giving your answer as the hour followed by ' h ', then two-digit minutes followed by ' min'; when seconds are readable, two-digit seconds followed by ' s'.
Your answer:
8 h 54 min 41 s
